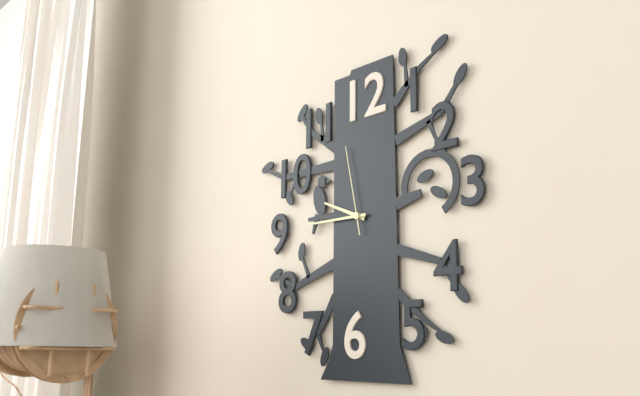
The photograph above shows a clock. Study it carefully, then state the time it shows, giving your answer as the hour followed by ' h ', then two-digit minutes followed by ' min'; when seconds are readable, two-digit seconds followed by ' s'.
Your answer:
9 h 45 min 58 s
